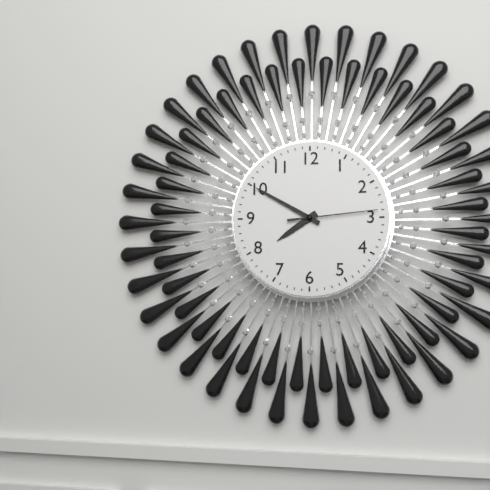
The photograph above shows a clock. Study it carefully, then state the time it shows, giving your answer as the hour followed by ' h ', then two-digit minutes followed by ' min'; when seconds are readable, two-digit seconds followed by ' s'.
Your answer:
7 h 50 min 14 s
